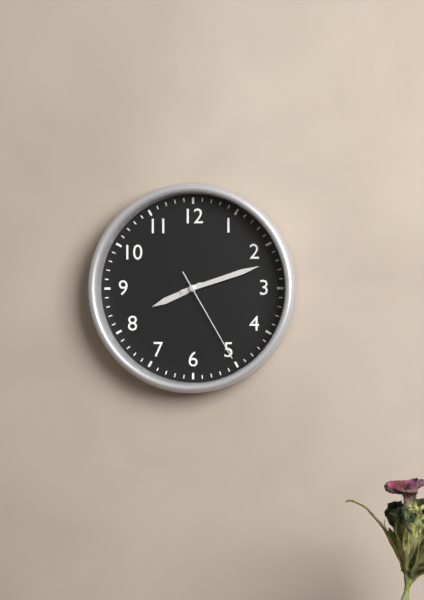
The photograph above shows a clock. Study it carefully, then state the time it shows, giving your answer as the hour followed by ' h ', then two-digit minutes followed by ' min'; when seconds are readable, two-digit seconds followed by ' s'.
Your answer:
8 h 12 min 25 s
